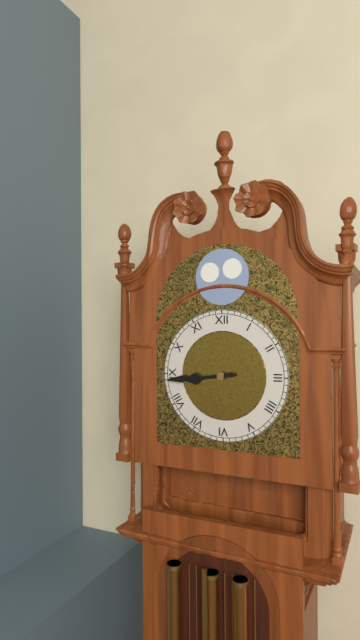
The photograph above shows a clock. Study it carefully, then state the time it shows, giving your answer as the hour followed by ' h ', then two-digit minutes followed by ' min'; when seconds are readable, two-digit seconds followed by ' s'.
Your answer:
8 h 44 min
